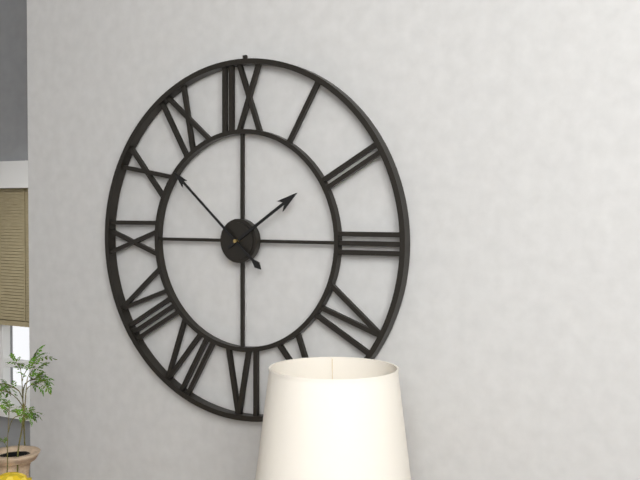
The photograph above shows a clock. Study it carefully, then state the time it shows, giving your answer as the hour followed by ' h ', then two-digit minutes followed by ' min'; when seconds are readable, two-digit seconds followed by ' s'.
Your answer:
1 h 52 min
